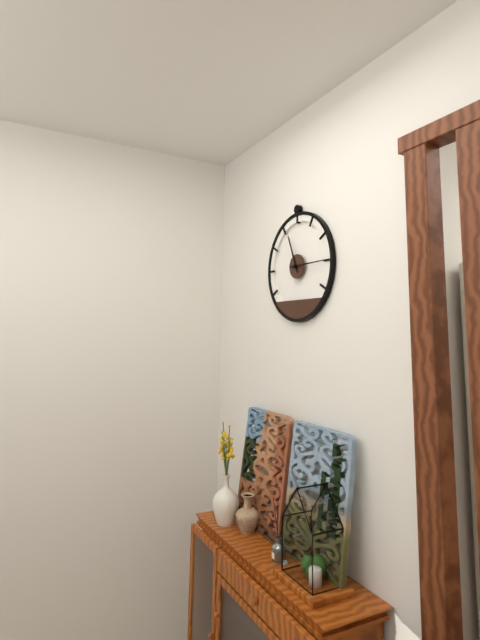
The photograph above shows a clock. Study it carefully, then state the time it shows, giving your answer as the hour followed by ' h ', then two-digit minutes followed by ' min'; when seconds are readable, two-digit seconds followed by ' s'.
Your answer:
11 h 15 min
